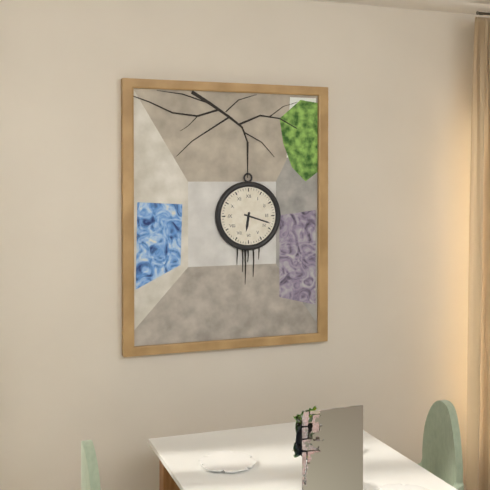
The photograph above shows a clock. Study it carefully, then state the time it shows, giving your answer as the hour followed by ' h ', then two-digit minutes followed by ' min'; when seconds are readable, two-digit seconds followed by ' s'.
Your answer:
6 h 18 min
